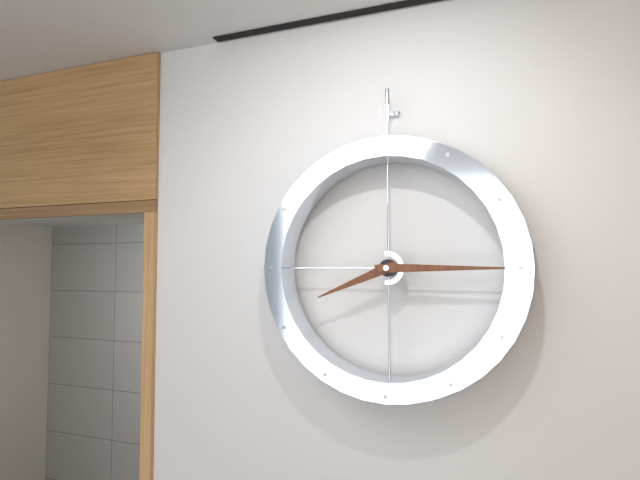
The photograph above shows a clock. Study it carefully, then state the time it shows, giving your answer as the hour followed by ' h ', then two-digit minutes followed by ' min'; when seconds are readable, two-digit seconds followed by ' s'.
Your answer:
8 h 15 min
